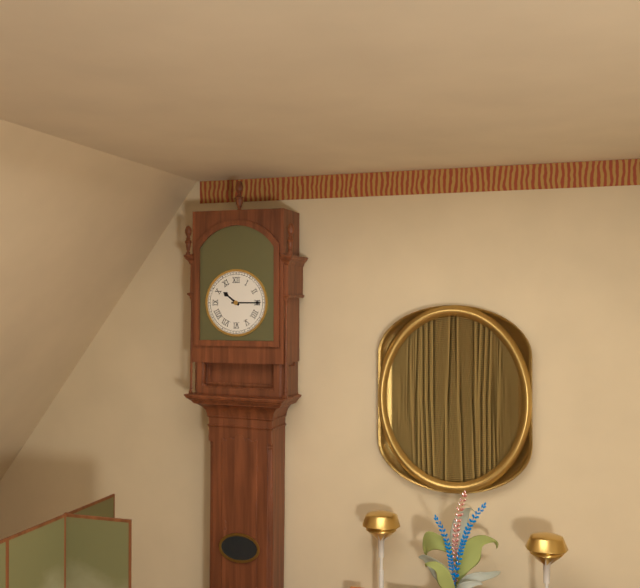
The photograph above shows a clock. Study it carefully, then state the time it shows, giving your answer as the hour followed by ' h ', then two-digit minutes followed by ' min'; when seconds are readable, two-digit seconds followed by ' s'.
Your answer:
10 h 15 min
